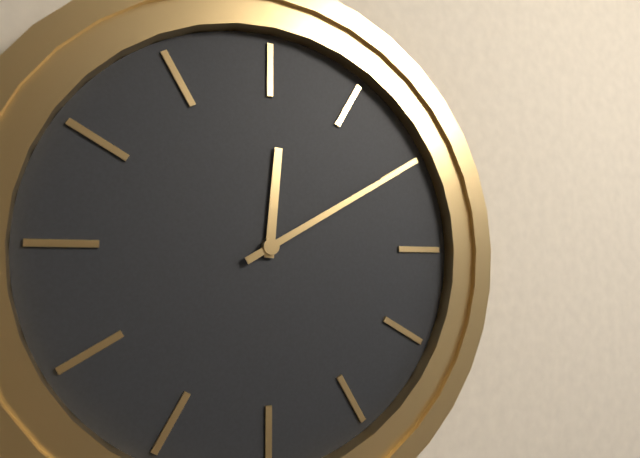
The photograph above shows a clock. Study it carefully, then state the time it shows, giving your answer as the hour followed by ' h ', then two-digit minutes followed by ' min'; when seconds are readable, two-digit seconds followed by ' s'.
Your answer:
12 h 10 min
